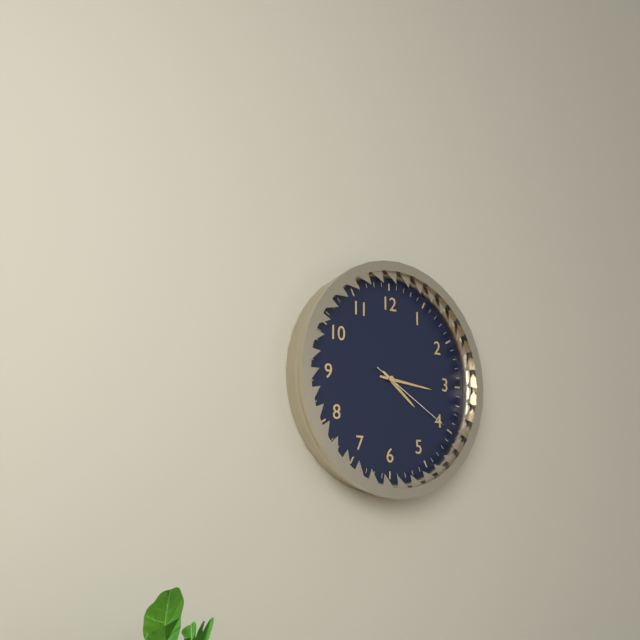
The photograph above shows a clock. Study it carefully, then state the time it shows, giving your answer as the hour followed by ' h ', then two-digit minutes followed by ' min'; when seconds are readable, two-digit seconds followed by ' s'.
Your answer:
4 h 16 min 20 s
